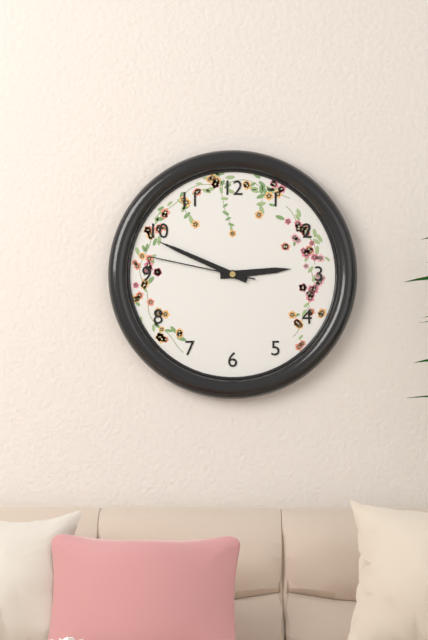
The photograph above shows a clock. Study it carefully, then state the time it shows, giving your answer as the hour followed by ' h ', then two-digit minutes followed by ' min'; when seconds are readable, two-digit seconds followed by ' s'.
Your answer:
2 h 49 min 47 s
